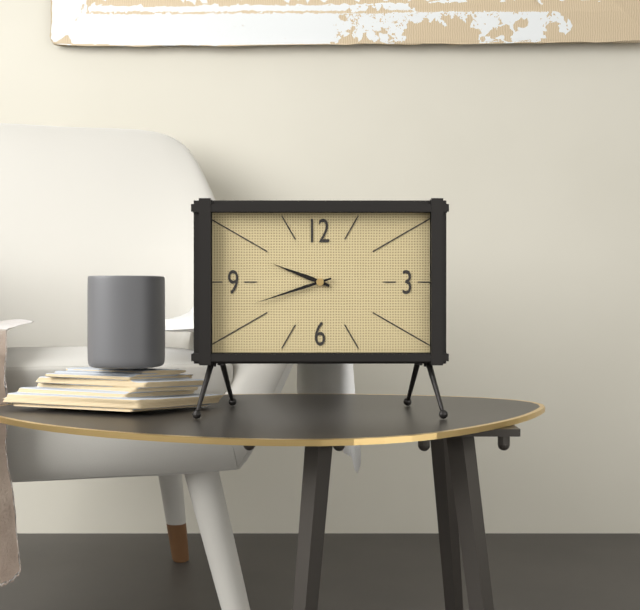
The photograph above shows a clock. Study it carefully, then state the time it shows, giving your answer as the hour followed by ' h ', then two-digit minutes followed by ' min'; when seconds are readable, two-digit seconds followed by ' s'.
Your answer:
9 h 42 min
